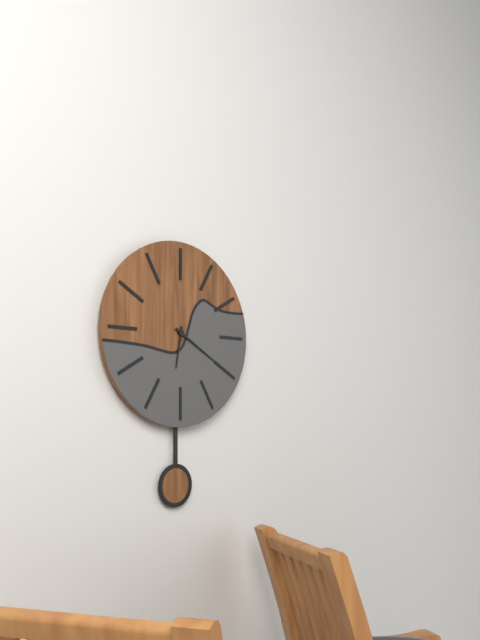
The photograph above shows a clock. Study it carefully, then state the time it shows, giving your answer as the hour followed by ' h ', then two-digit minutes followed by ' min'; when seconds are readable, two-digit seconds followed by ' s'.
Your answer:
6 h 20 min
